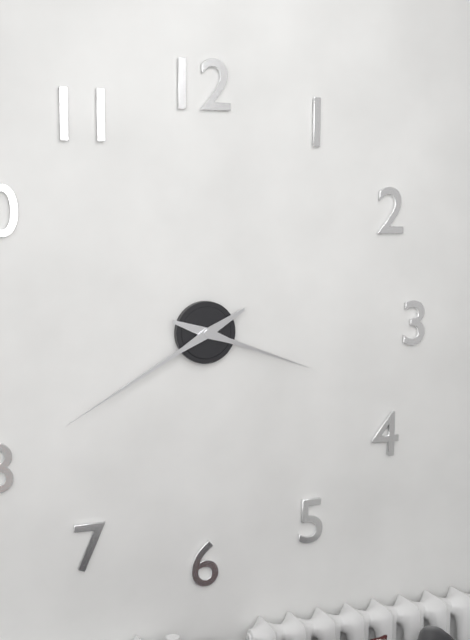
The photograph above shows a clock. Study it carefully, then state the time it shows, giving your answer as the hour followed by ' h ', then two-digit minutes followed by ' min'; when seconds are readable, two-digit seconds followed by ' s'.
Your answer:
3 h 40 min
